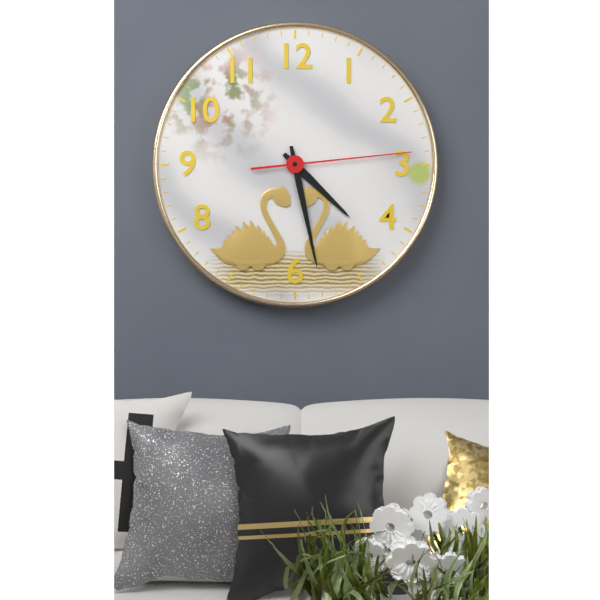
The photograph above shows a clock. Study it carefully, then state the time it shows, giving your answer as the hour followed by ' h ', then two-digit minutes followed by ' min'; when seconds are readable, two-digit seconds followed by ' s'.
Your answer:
4 h 28 min 14 s
